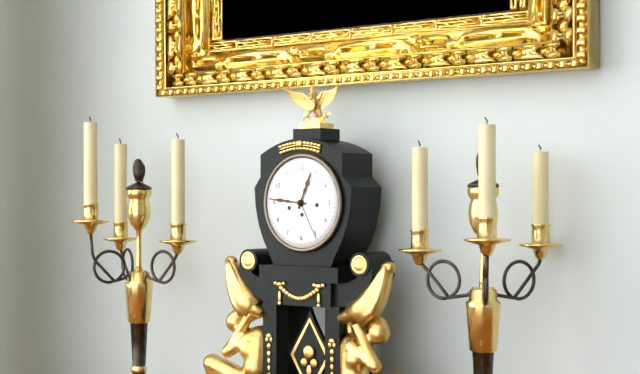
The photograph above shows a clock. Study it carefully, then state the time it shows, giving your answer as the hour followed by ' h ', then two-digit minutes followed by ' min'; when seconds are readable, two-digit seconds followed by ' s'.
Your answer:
12 h 46 min
